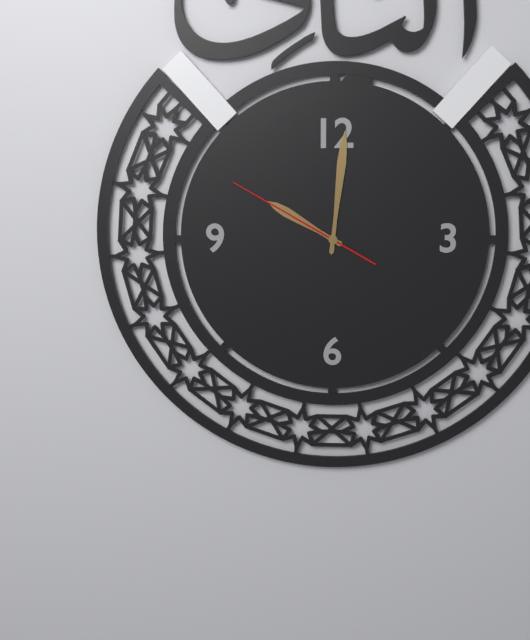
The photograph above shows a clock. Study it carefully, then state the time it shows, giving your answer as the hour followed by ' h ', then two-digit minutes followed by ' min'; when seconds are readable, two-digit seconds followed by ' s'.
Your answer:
10 h 01 min 50 s
